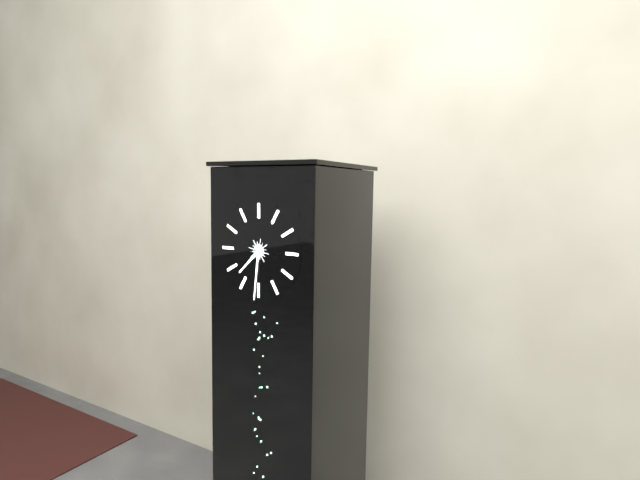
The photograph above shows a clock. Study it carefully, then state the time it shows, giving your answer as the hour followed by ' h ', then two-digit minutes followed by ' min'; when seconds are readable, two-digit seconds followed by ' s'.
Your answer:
7 h 31 min
